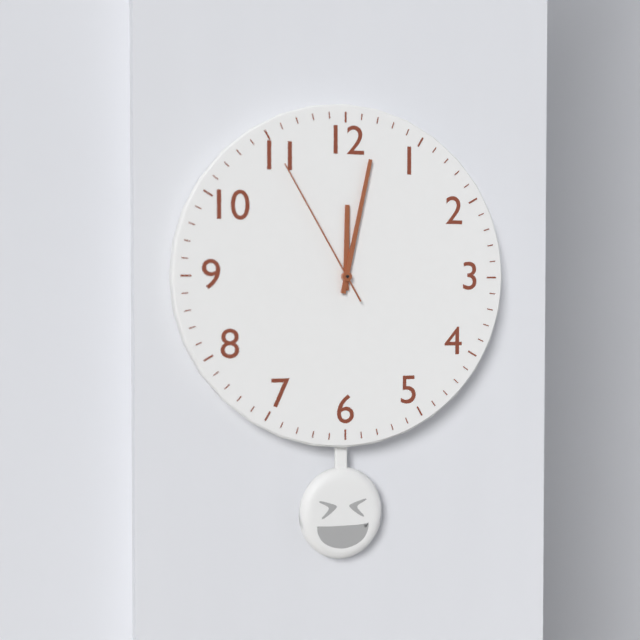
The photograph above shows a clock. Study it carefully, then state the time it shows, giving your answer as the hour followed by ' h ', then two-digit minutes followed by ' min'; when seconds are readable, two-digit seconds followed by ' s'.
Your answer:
12 h 02 min 55 s
